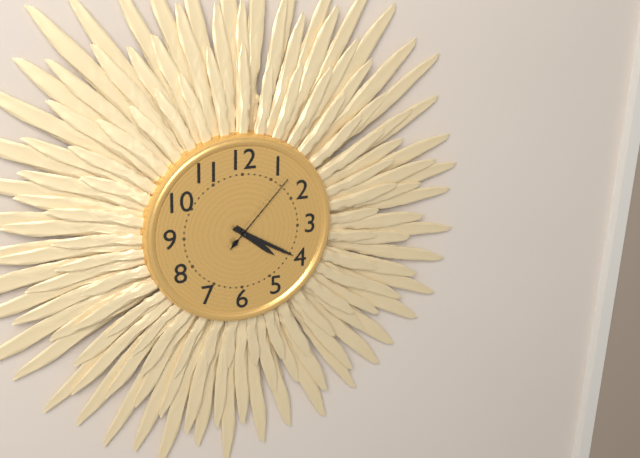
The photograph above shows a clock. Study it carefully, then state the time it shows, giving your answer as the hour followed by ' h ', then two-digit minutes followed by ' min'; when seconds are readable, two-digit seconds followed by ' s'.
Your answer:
4 h 20 min 07 s
